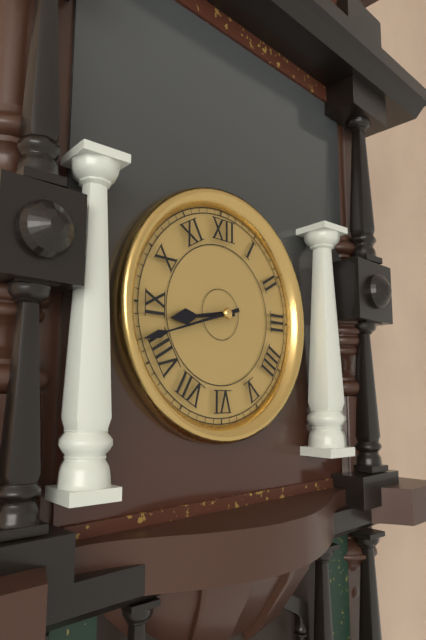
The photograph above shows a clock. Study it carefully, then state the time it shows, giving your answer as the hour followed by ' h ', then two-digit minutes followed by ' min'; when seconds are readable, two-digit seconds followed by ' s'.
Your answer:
8 h 42 min
